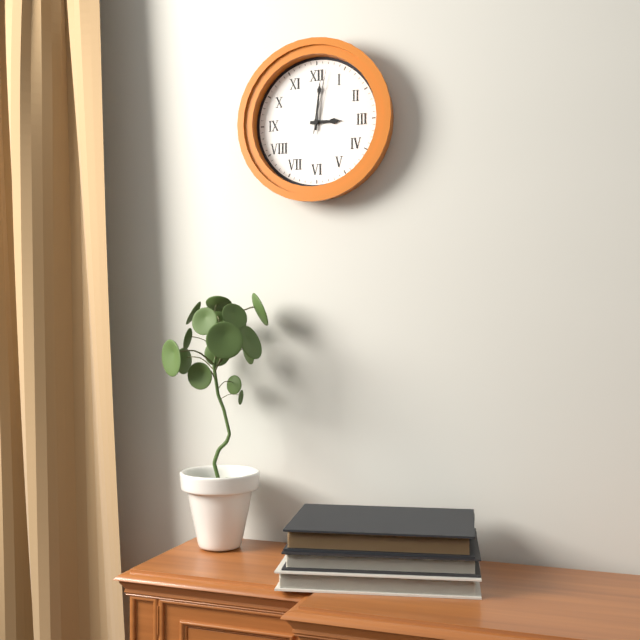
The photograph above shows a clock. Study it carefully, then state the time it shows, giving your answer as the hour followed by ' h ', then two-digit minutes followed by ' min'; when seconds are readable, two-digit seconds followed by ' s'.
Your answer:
3 h 01 min 02 s
